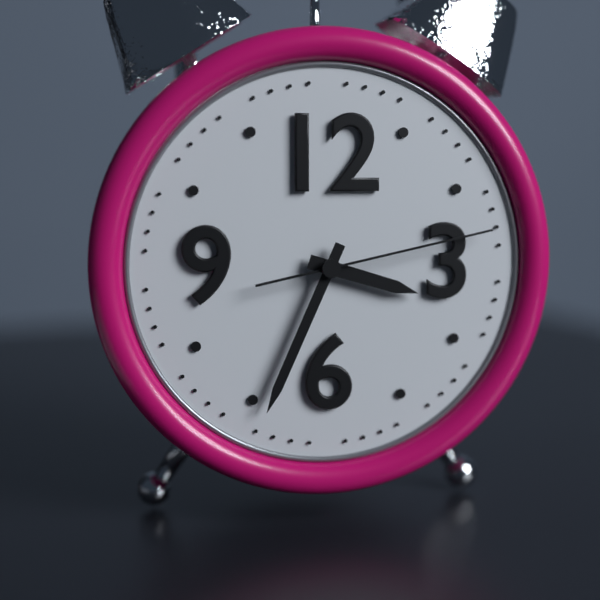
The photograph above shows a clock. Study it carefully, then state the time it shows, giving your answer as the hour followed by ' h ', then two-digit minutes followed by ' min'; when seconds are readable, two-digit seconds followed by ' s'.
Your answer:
3 h 34 min 13 s
